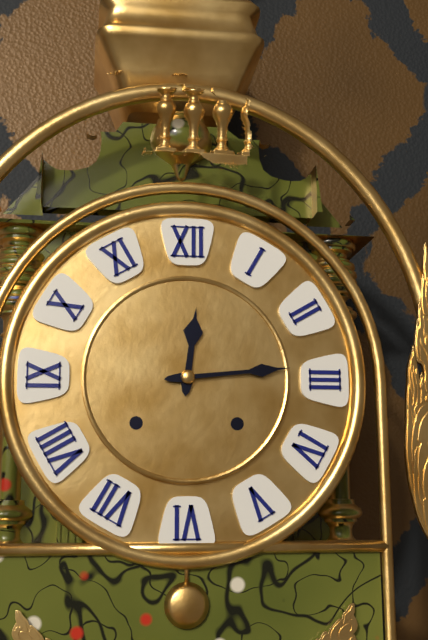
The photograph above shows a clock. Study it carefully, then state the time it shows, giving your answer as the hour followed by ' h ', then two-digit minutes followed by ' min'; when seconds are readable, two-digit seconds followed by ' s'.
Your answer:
12 h 14 min
